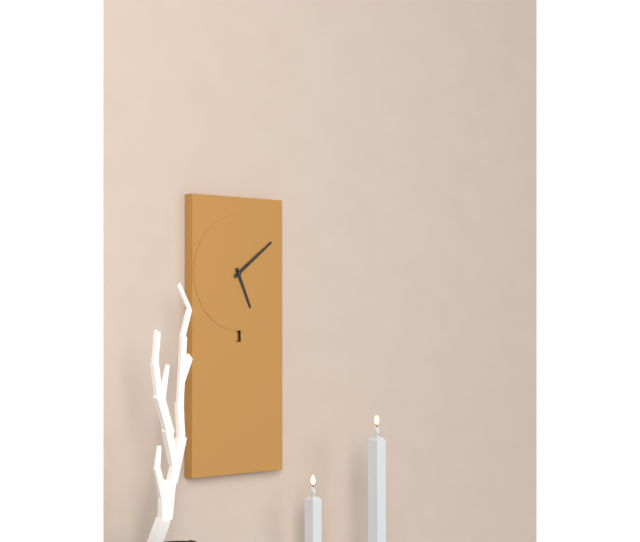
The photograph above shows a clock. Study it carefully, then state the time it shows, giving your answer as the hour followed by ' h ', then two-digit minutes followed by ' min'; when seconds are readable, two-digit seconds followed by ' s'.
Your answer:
5 h 09 min
